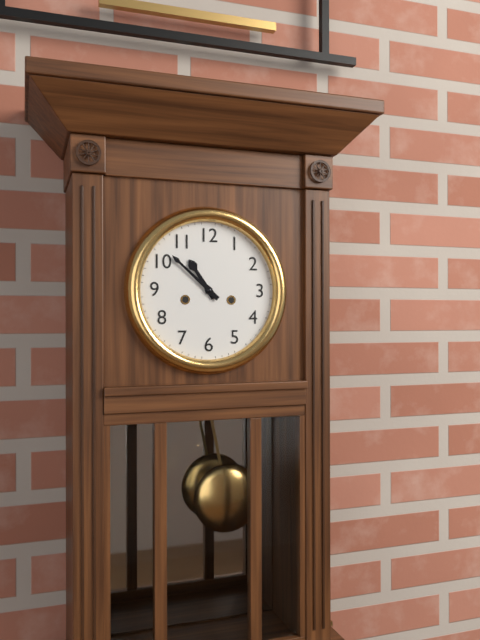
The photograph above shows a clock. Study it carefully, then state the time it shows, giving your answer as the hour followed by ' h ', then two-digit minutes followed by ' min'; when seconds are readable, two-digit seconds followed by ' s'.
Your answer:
10 h 52 min
